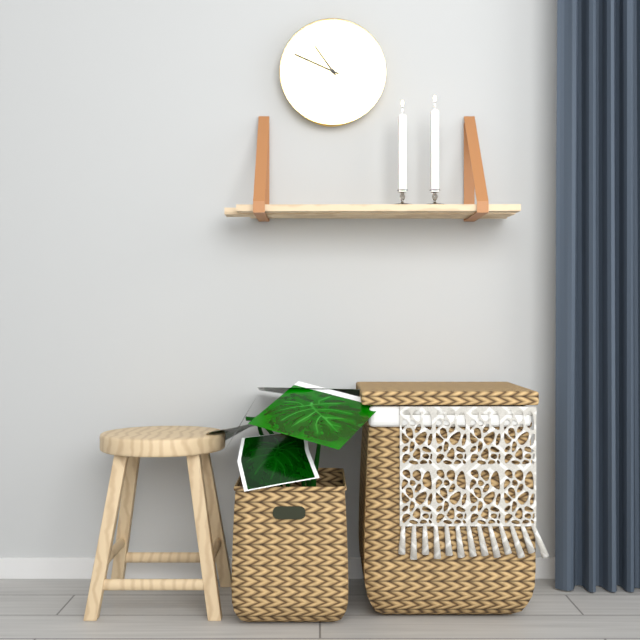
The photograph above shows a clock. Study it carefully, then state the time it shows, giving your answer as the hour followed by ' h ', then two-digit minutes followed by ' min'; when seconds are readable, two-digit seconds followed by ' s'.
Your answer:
10 h 49 min
